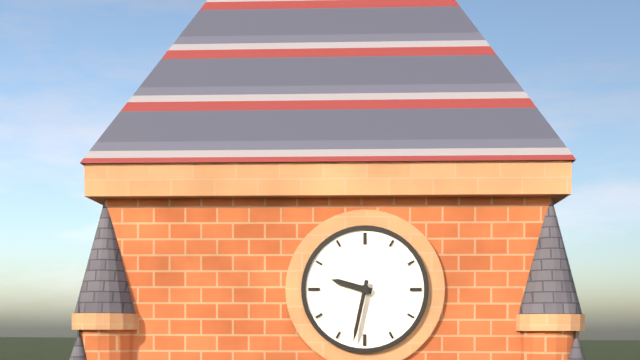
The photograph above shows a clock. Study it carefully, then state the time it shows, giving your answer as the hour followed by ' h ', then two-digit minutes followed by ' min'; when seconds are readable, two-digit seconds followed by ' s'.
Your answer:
9 h 32 min
